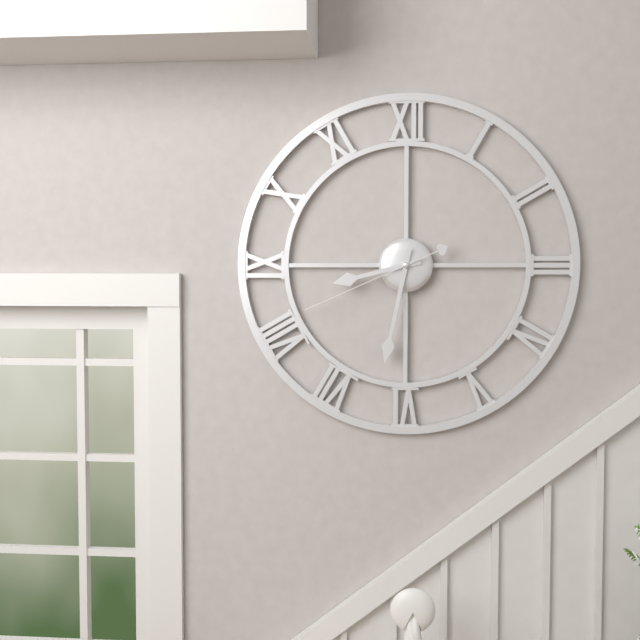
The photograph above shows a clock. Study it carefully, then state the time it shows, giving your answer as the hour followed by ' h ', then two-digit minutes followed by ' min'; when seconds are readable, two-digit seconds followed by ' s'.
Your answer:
8 h 32 min 41 s
